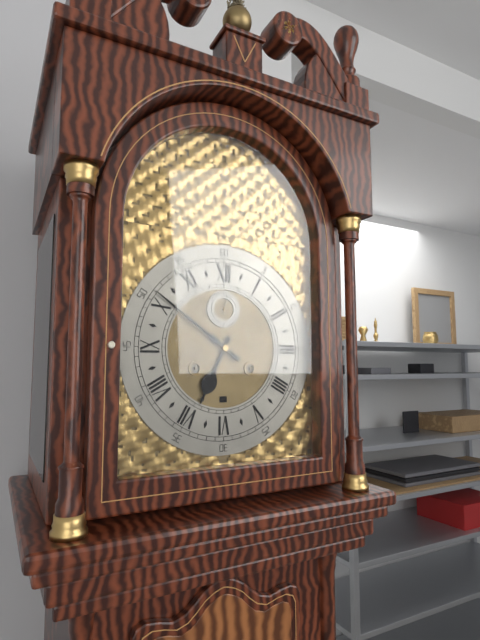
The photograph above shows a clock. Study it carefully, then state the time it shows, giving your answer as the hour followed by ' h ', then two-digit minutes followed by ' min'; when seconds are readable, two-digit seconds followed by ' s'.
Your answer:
6 h 51 min
